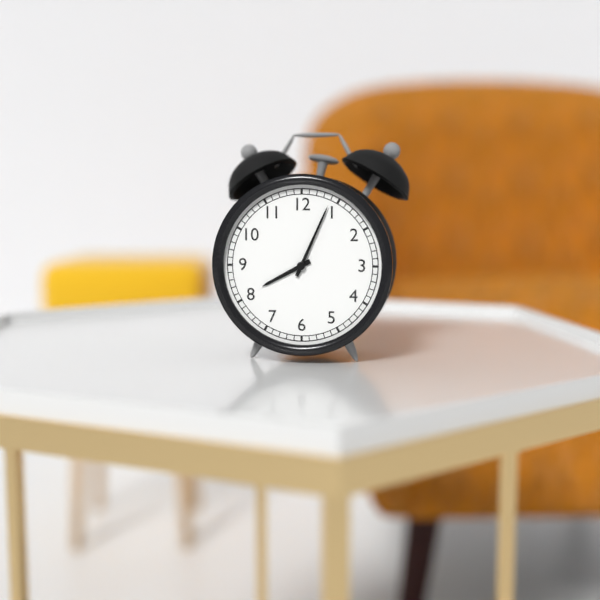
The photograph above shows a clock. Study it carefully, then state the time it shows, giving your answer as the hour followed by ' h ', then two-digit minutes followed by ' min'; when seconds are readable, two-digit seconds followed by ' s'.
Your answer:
8 h 04 min
